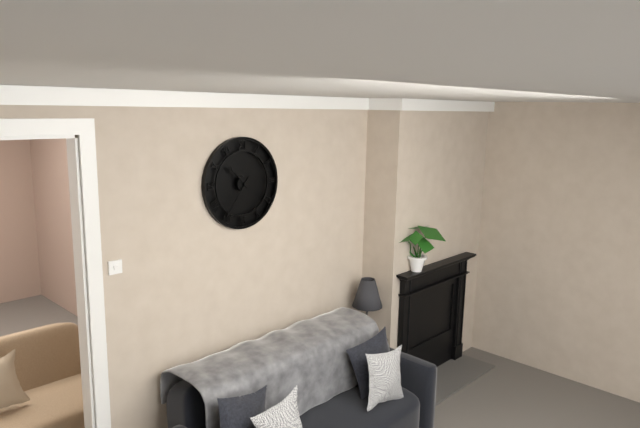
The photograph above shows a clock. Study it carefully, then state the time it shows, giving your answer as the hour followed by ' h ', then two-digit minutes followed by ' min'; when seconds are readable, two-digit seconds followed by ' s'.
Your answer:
10 h 36 min
